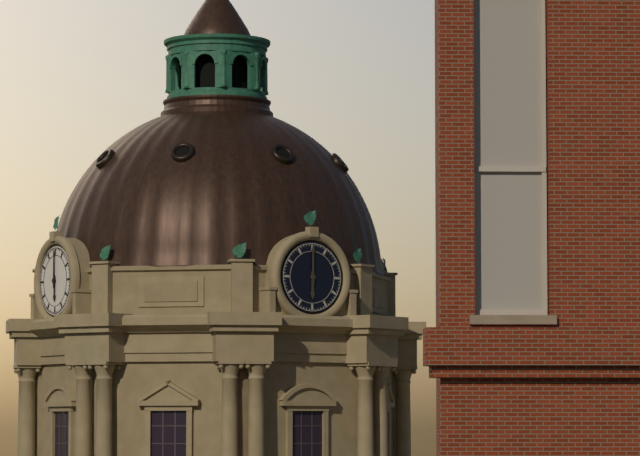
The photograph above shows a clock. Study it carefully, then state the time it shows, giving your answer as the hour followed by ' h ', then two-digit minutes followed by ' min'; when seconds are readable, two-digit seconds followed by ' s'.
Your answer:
6 h 00 min
